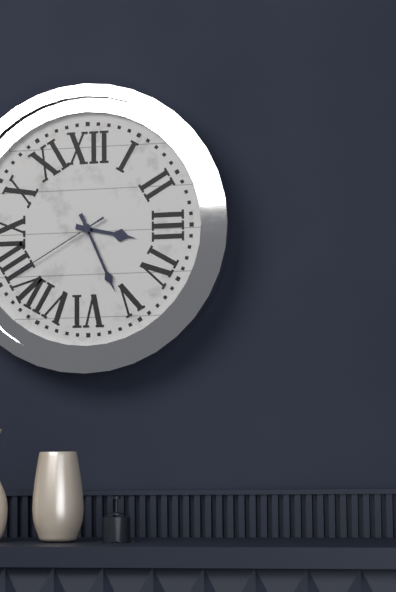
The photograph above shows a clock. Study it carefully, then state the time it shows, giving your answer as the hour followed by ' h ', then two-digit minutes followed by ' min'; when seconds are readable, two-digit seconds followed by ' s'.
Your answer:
3 h 26 min 40 s
